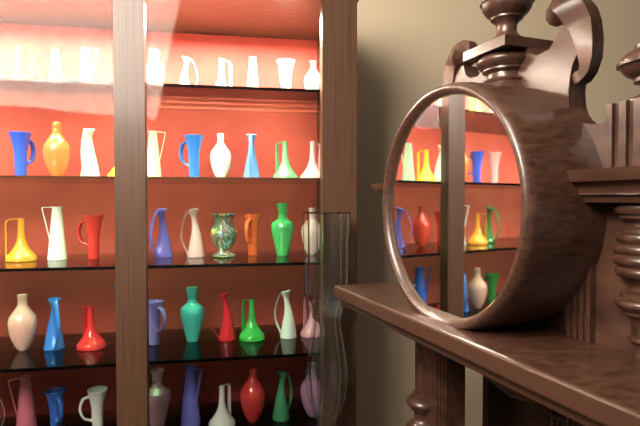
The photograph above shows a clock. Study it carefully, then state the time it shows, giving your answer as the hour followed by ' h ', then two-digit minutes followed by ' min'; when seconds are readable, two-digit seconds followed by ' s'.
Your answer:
1 h 09 min
